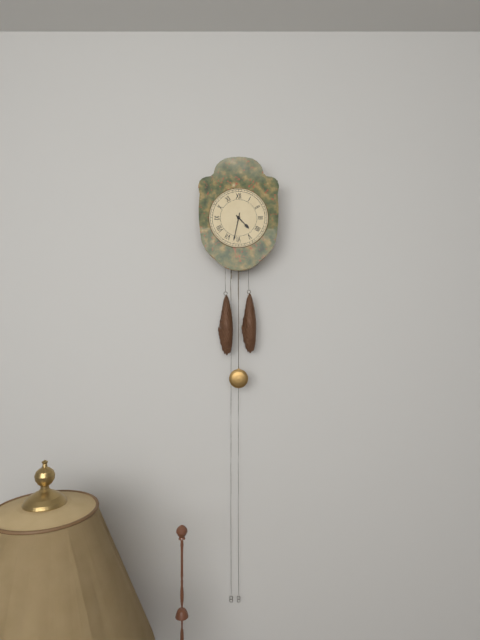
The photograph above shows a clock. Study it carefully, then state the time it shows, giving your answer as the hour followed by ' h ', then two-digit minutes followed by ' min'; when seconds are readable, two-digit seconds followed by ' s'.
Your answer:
4 h 32 min
